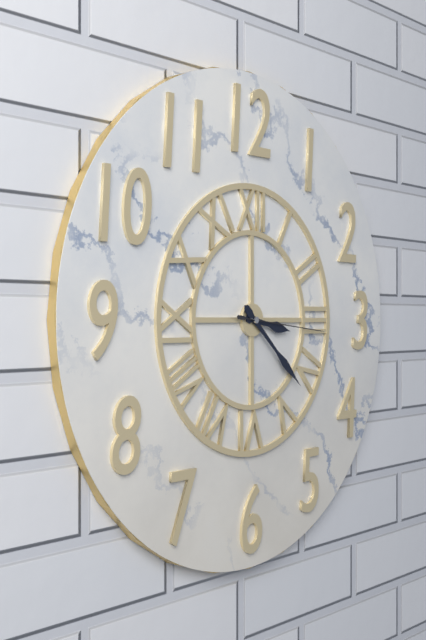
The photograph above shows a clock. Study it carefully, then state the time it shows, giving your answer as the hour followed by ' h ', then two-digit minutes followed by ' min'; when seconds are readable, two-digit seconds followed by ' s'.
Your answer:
3 h 22 min 16 s
